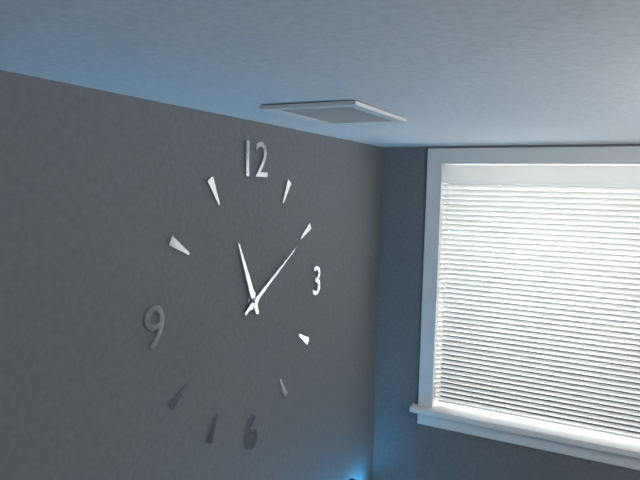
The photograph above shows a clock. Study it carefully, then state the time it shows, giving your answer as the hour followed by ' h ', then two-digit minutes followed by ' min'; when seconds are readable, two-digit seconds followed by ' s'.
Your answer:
11 h 10 min
